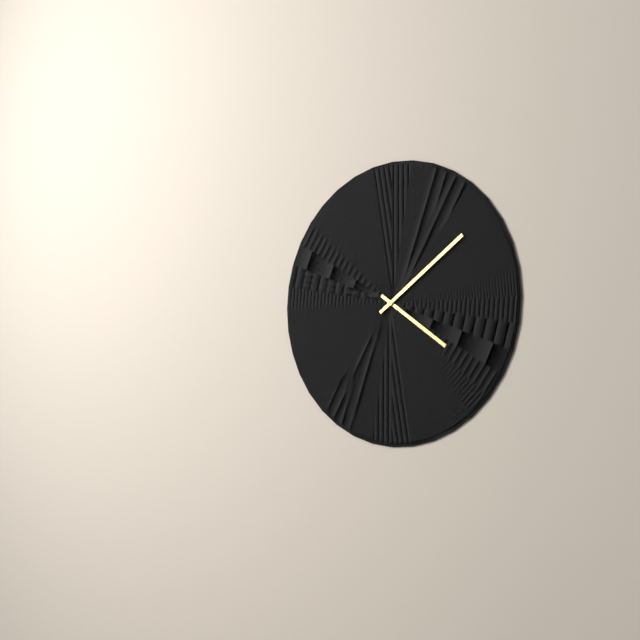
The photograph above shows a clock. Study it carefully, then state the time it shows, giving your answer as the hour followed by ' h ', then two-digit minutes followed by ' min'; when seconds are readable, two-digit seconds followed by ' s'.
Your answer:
4 h 09 min
